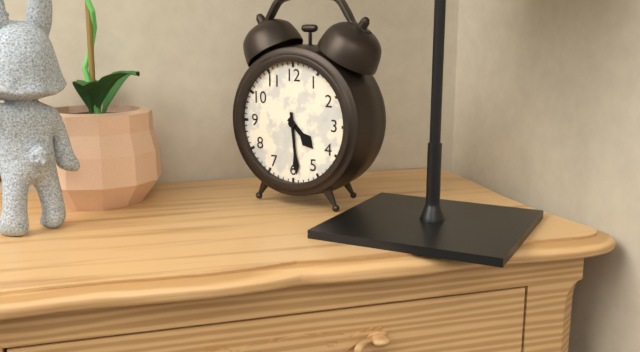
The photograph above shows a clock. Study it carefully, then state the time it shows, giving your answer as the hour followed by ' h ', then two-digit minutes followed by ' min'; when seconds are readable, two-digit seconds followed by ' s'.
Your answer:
4 h 29 min
